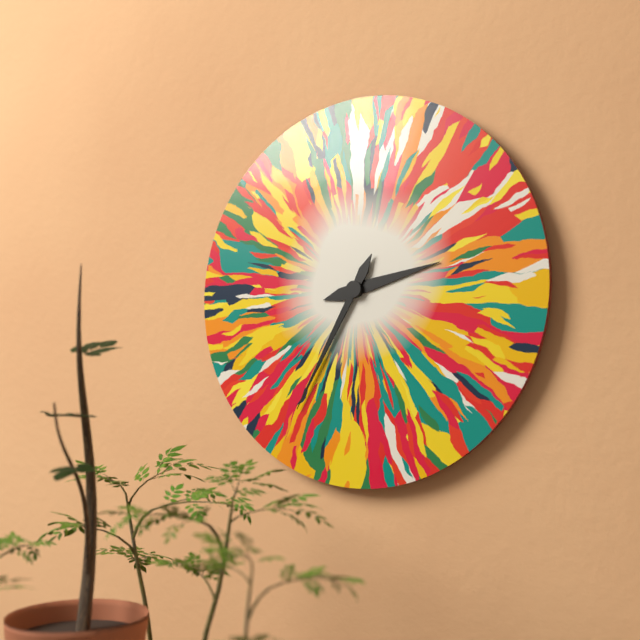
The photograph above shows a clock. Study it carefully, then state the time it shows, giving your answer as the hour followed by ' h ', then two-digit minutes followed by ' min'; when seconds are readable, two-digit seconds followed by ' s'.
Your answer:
2 h 35 min
